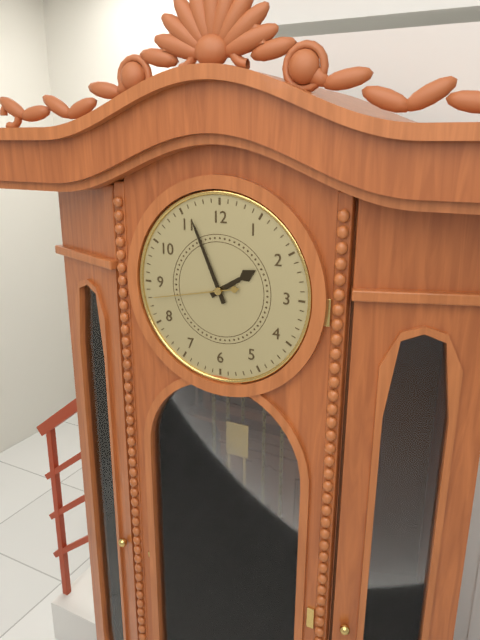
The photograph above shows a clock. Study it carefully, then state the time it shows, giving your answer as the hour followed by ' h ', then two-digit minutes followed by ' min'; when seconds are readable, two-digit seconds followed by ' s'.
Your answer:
1 h 56 min 43 s
